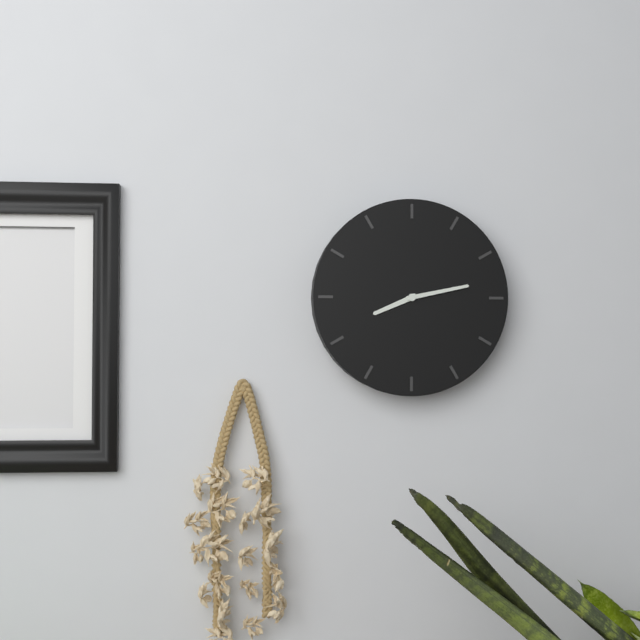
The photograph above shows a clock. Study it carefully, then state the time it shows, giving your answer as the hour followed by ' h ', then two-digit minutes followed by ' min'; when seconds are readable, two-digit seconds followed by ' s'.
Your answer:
8 h 13 min
